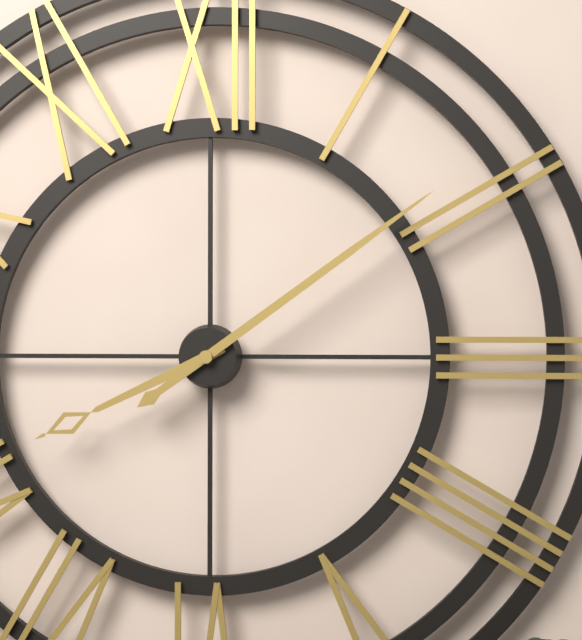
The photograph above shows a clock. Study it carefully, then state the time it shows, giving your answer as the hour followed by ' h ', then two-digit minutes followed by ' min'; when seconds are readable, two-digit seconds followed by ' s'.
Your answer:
8 h 09 min
